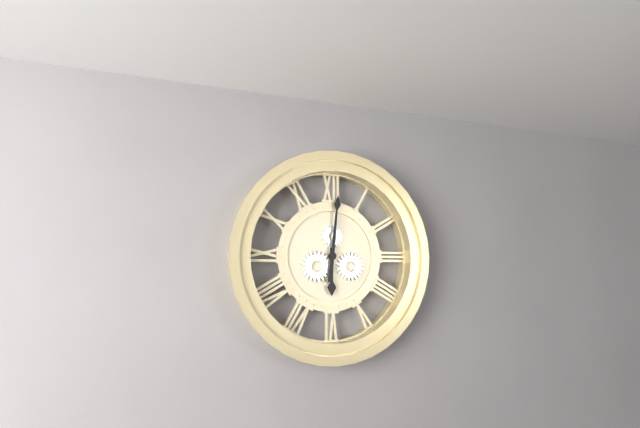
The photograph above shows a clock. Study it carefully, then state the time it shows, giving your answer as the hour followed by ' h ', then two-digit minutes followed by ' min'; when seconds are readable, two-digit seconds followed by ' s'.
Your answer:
6 h 01 min
